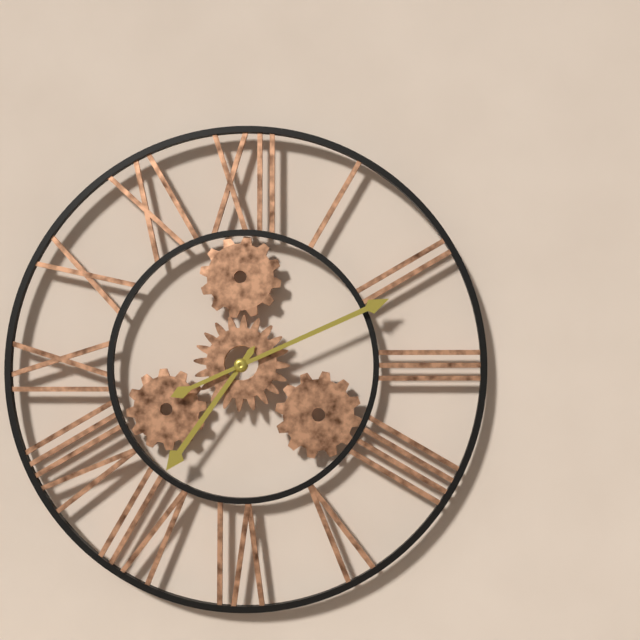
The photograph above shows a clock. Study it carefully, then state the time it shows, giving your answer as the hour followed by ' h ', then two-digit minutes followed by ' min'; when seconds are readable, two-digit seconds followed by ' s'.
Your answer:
7 h 11 min
